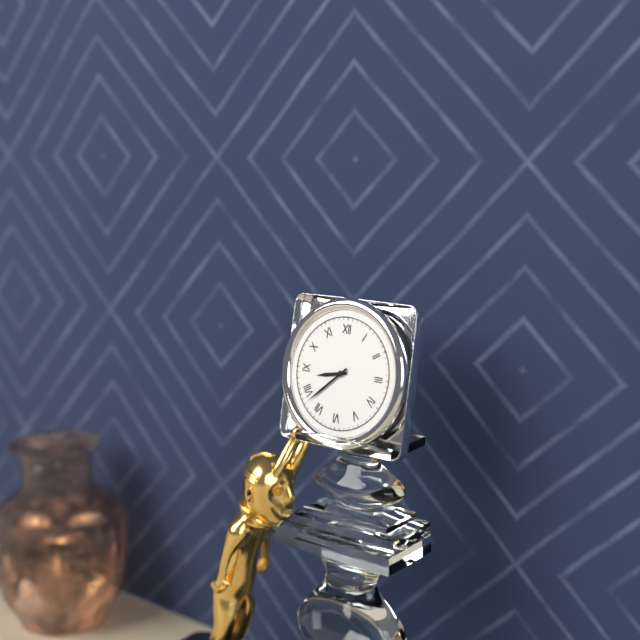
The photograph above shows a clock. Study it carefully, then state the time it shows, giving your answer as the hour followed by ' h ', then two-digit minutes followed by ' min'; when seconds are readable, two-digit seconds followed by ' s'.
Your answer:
8 h 38 min
